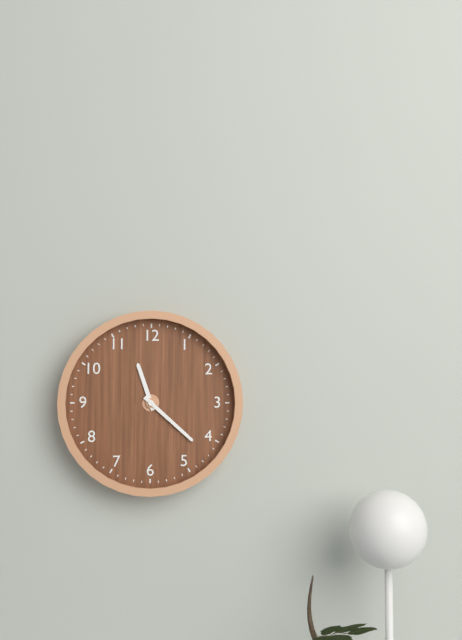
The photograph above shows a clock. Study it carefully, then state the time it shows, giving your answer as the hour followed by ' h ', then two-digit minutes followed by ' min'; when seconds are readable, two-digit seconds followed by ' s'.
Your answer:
11 h 22 min
